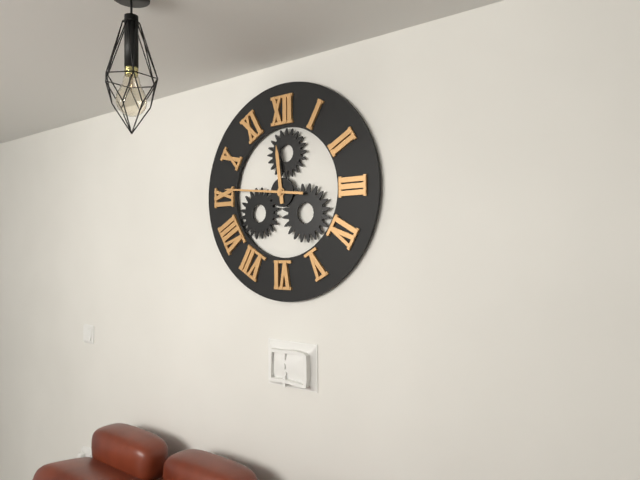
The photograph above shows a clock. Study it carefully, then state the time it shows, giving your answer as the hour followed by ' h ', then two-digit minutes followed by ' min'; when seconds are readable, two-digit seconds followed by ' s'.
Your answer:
11 h 46 min
